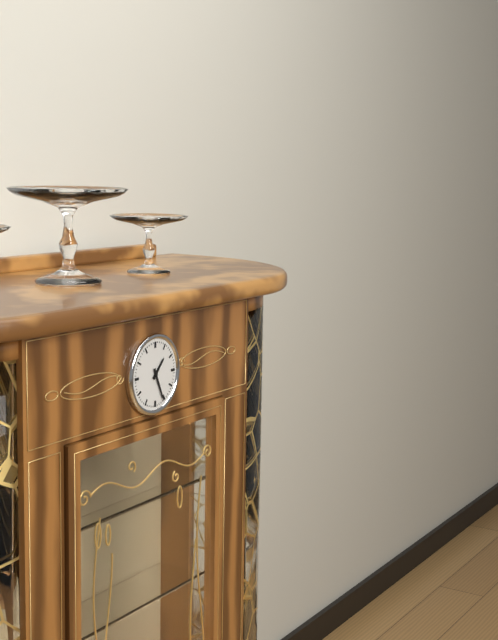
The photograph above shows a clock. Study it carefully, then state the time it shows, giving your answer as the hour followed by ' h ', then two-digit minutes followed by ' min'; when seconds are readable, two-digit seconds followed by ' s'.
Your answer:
1 h 26 min
